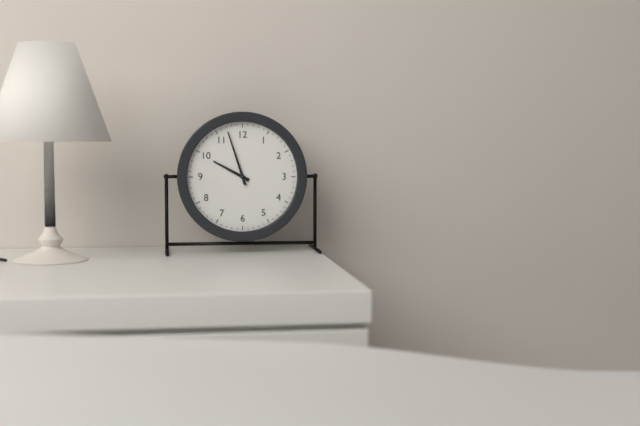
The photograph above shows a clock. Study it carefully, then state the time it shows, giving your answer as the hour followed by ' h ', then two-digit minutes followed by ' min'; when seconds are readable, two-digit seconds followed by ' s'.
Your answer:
9 h 57 min
